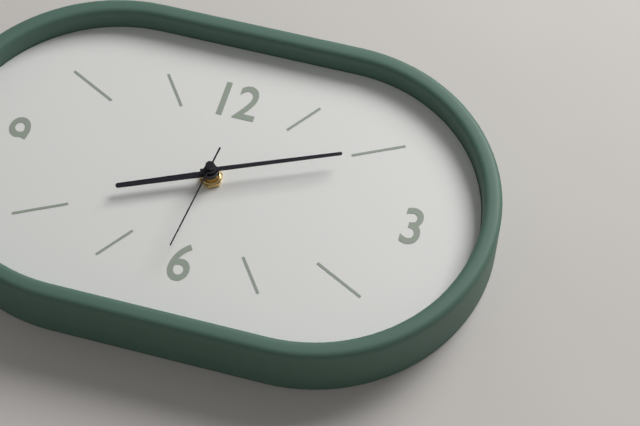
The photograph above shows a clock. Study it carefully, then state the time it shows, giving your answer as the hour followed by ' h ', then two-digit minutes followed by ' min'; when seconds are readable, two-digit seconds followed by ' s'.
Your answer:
8 h 11 min 31 s
